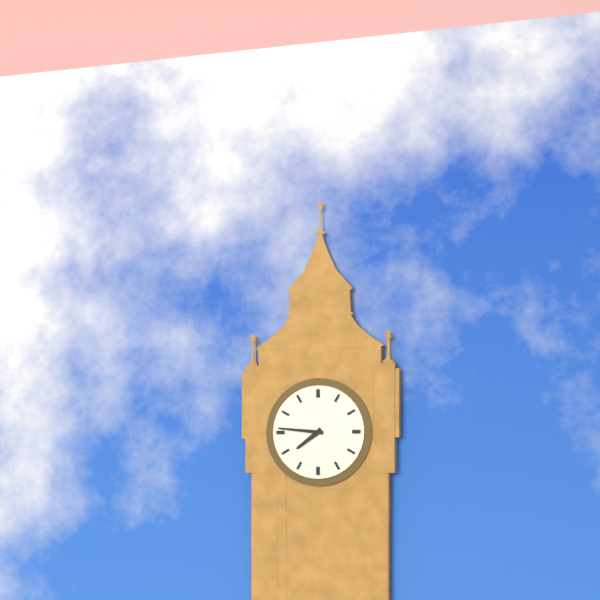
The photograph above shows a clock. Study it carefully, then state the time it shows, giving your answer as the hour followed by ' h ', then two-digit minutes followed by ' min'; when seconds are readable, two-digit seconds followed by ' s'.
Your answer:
7 h 46 min
